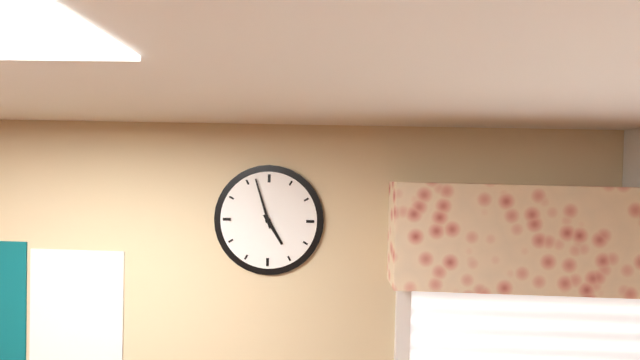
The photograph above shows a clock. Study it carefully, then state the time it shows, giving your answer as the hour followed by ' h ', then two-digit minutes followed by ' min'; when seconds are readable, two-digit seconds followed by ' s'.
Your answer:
4 h 57 min
